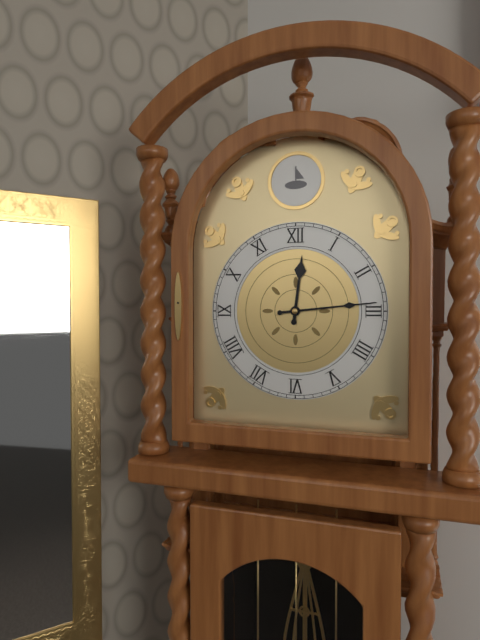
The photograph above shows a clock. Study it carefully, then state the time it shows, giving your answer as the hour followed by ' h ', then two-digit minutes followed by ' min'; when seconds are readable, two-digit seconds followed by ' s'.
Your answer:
12 h 14 min
